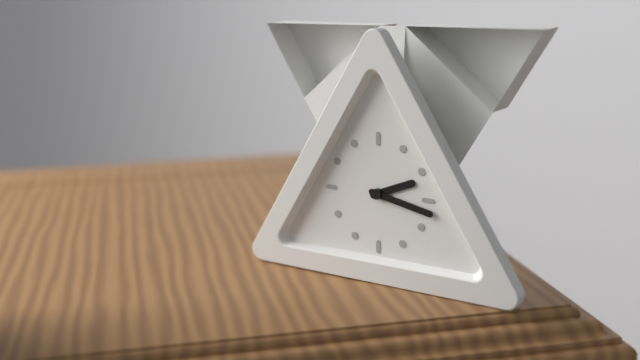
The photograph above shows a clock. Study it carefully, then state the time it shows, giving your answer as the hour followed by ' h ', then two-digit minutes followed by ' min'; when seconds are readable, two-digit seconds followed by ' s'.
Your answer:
2 h 17 min
